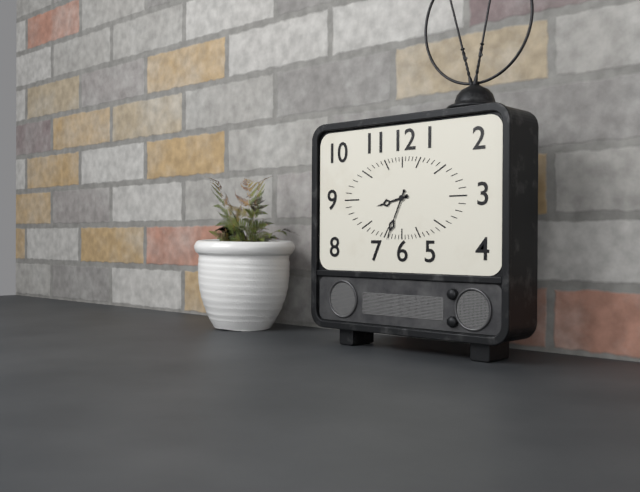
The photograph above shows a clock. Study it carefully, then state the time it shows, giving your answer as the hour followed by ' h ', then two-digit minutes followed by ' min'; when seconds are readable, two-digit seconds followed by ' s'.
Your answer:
8 h 34 min
